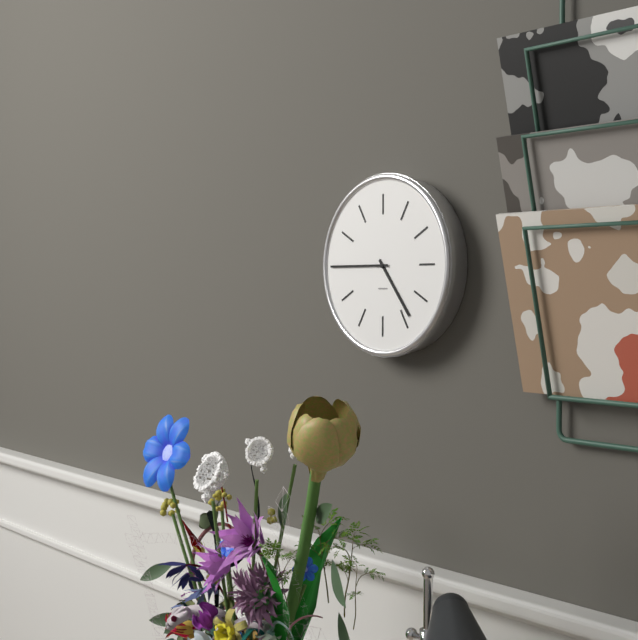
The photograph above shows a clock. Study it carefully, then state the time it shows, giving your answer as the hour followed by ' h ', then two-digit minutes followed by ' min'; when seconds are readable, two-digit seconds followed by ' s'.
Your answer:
4 h 45 min
